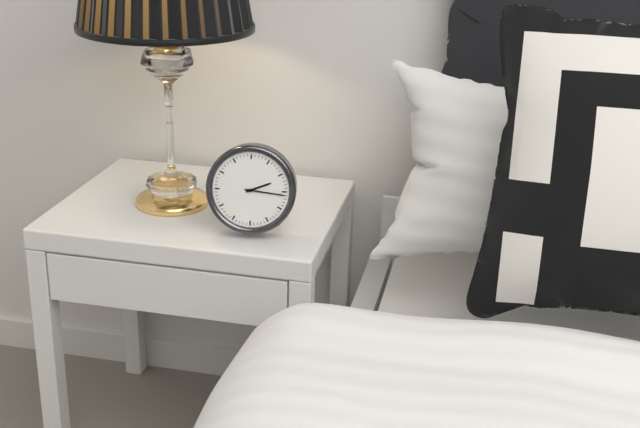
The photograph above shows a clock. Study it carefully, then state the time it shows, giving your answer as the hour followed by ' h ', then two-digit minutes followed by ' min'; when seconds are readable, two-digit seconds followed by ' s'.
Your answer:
2 h 16 min
